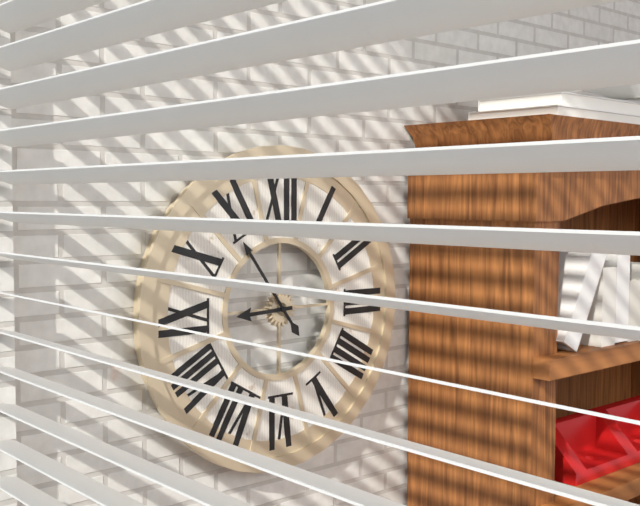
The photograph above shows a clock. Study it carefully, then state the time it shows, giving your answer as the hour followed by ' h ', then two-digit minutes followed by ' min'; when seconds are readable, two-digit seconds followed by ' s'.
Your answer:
8 h 54 min
